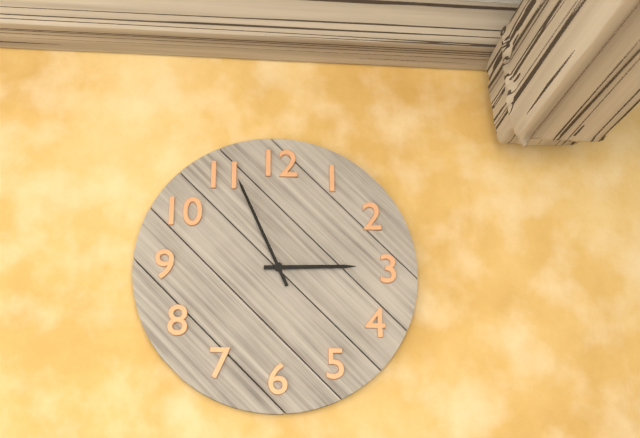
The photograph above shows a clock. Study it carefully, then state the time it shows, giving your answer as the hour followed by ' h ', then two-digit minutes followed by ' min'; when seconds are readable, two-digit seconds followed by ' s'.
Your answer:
2 h 56 min
